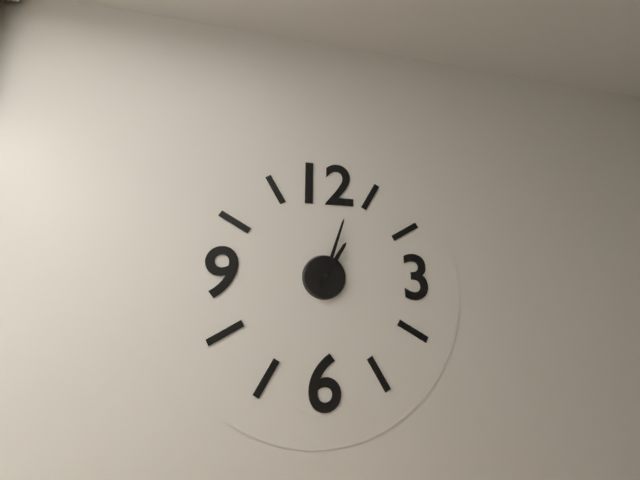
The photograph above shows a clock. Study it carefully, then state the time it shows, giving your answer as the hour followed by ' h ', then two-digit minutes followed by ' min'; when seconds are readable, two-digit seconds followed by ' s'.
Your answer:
1 h 03 min
